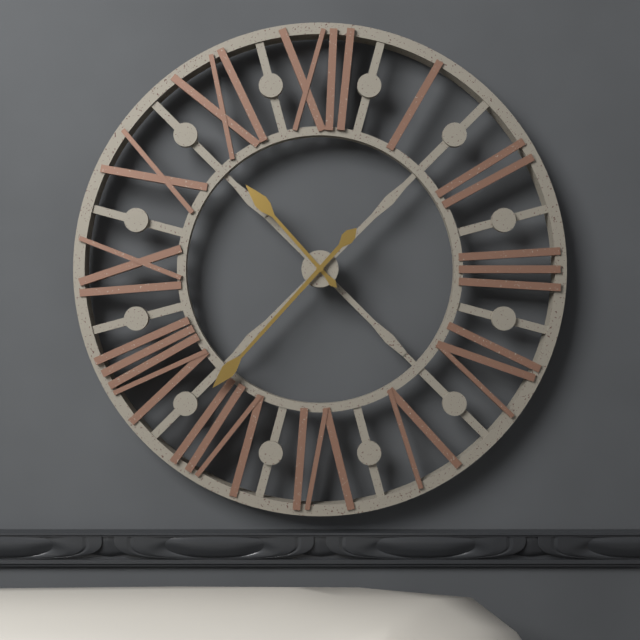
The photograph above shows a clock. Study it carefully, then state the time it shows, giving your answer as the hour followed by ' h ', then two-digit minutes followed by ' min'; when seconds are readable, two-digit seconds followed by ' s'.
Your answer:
10 h 37 min
